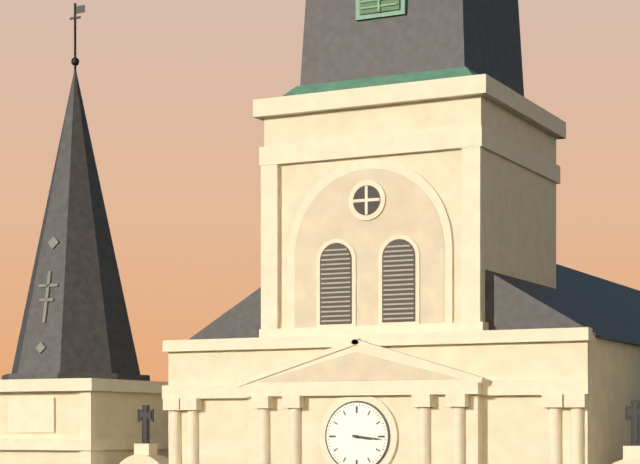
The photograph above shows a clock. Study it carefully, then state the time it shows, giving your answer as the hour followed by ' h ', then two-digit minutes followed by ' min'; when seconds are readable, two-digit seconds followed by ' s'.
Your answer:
3 h 16 min
